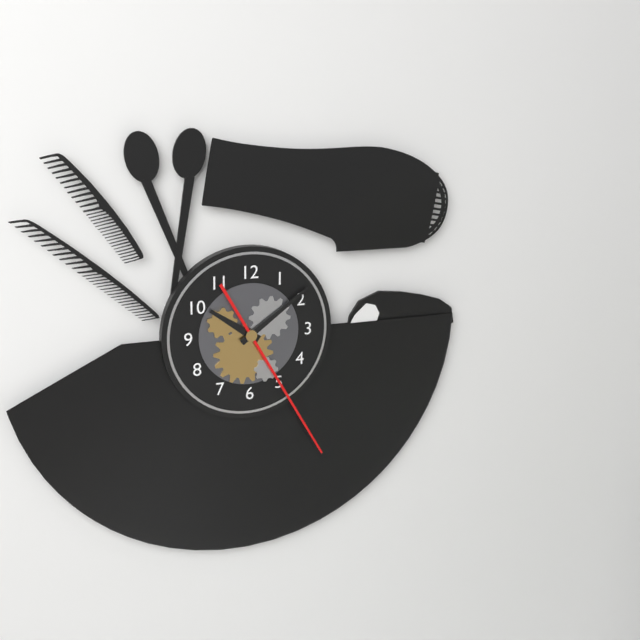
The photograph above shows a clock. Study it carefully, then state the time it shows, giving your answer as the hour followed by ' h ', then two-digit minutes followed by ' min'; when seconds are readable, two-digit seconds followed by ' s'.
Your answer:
10 h 09 min 25 s
